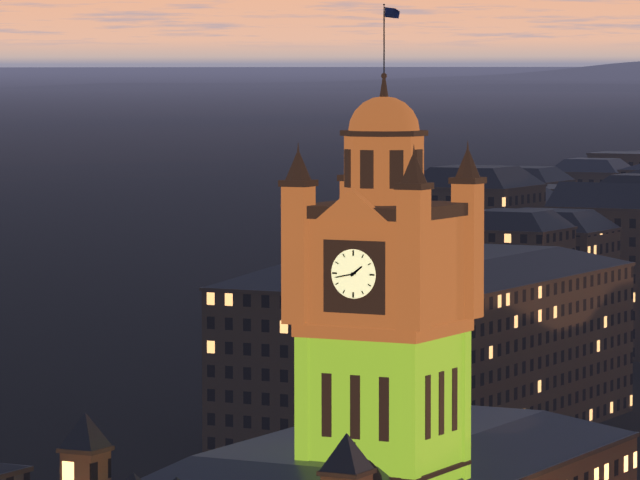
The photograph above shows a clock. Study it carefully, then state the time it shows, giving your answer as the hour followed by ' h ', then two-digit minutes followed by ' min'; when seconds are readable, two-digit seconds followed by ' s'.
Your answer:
1 h 43 min
